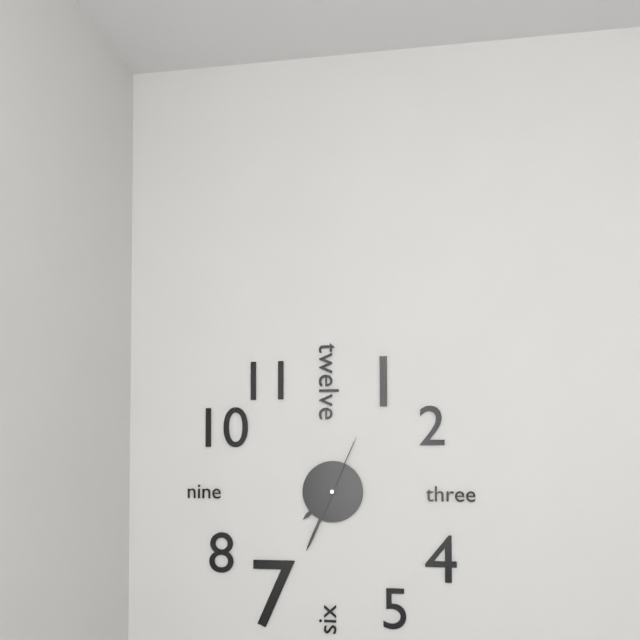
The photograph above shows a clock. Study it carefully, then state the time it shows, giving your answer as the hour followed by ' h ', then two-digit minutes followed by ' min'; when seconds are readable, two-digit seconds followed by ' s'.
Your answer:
7 h 34 min 04 s
